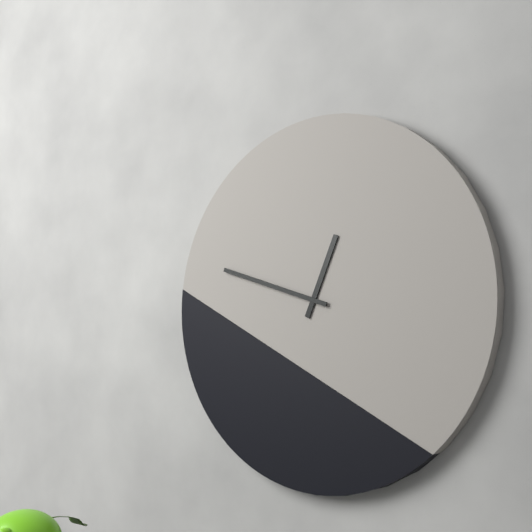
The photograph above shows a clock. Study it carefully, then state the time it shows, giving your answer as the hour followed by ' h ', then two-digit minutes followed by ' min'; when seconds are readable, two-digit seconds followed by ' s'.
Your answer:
12 h 48 min
